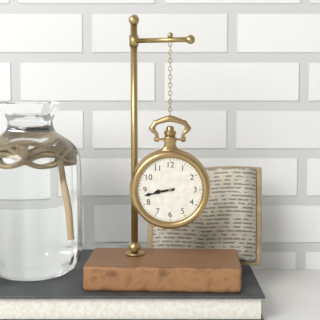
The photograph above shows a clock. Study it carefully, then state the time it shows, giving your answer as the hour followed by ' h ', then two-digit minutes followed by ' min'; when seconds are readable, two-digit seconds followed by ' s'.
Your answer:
8 h 43 min
